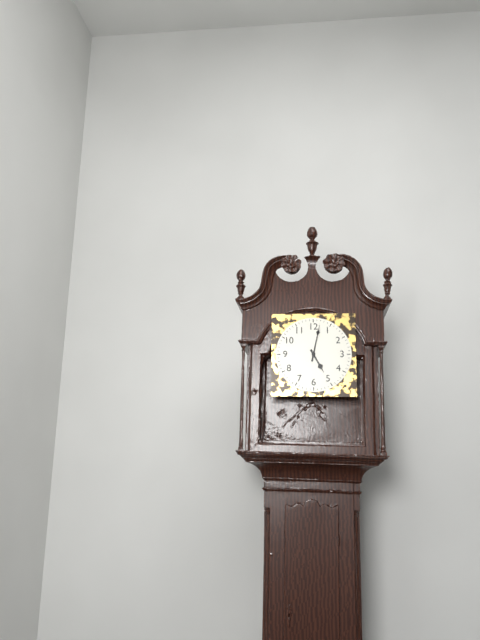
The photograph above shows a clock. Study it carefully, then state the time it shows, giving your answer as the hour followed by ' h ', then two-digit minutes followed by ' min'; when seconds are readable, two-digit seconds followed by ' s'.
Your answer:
5 h 02 min
